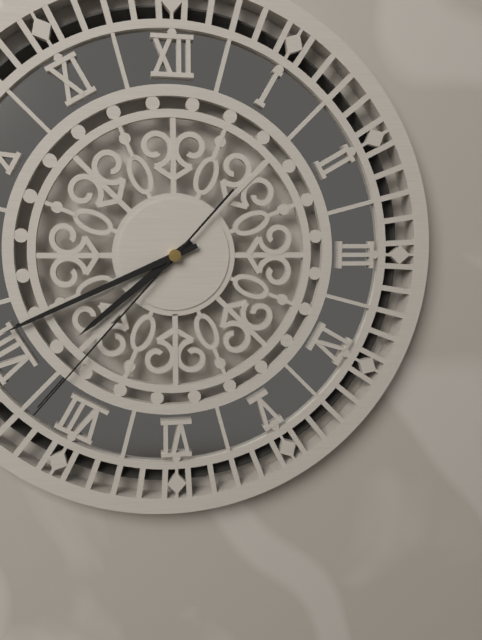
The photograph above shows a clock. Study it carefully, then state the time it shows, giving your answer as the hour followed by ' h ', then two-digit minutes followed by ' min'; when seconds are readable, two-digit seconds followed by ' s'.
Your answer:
7 h 41 min 37 s
